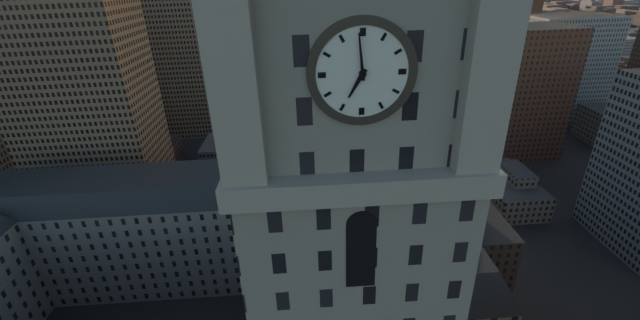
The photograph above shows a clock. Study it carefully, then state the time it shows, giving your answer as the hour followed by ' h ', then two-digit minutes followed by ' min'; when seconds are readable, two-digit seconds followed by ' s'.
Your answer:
6 h 59 min
